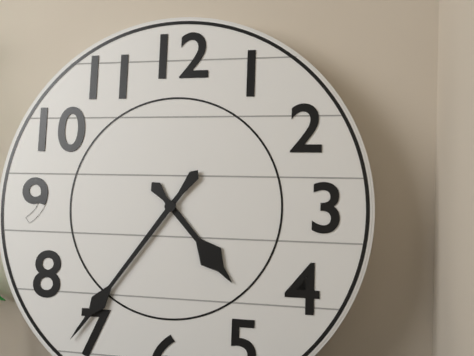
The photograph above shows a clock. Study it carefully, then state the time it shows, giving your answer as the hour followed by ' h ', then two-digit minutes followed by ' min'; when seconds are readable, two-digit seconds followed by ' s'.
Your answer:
4 h 36 min
